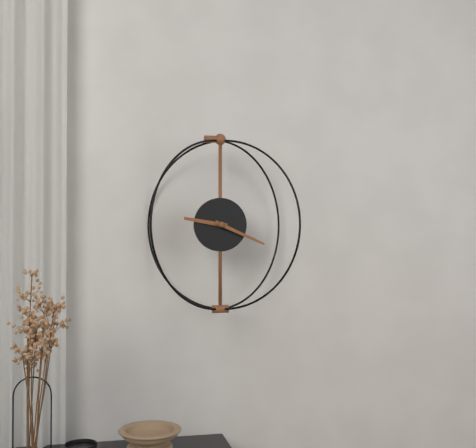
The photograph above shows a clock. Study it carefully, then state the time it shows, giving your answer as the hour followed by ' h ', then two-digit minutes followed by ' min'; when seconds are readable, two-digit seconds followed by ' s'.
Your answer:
9 h 19 min
